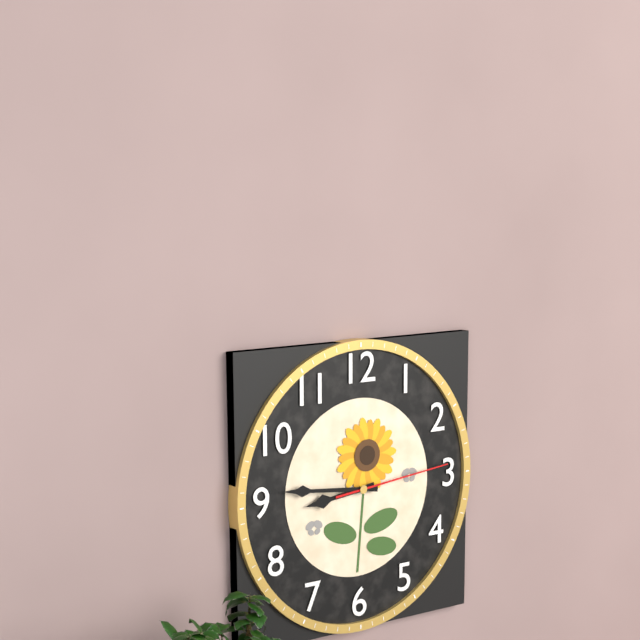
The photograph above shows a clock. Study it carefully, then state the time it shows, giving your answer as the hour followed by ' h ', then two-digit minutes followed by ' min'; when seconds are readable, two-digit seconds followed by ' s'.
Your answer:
8 h 46 min 14 s
